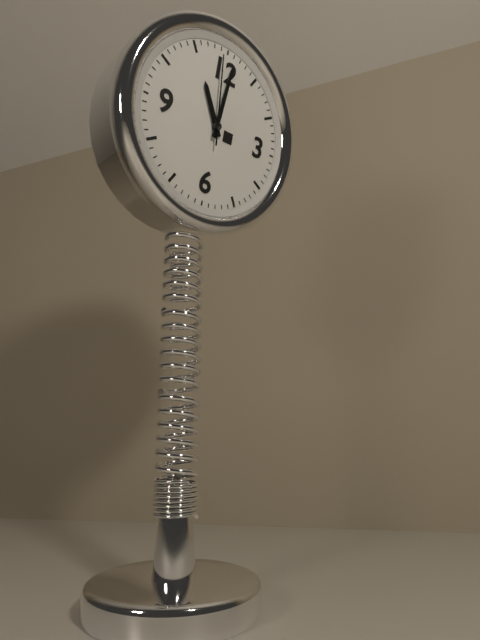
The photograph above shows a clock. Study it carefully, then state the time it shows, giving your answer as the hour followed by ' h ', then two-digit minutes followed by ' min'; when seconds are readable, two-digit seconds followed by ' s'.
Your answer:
11 h 01 min 59 s
